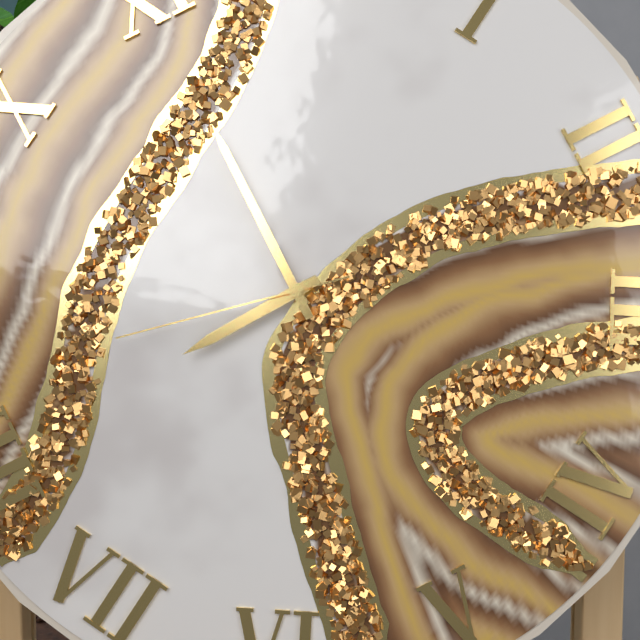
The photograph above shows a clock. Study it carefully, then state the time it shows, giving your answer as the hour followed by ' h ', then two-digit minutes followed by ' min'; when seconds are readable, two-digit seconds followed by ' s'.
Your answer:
7 h 55 min 42 s
